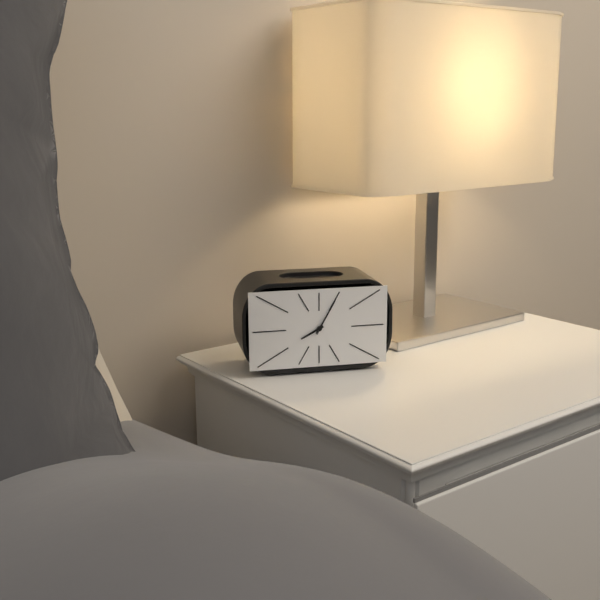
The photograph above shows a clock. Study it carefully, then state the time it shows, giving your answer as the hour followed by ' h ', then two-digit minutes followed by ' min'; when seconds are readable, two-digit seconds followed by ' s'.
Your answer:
8 h 05 min
